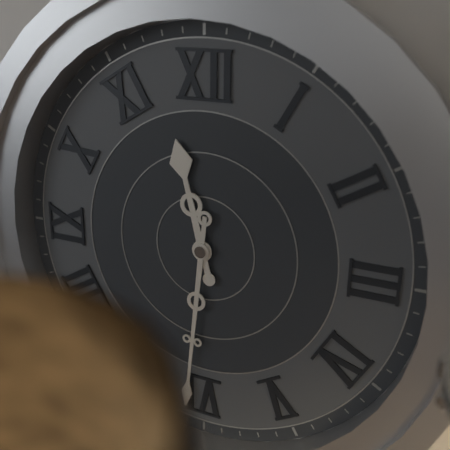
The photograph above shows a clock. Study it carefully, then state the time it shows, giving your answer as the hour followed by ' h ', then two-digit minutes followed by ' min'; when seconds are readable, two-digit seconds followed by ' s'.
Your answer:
11 h 31 min
